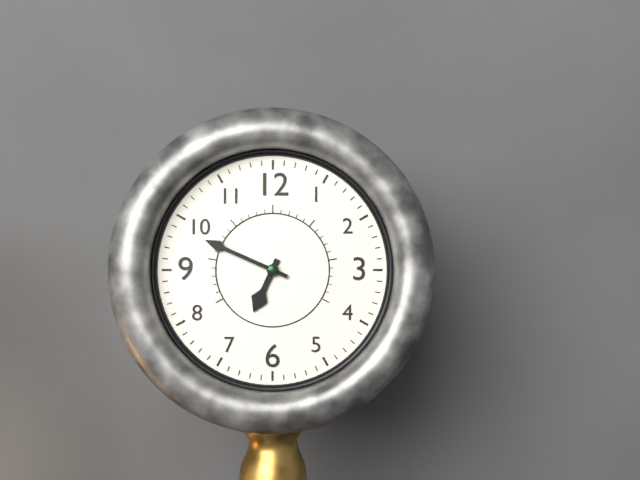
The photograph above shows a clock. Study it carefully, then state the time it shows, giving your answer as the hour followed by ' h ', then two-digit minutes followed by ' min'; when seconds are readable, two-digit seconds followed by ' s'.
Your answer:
6 h 49 min
